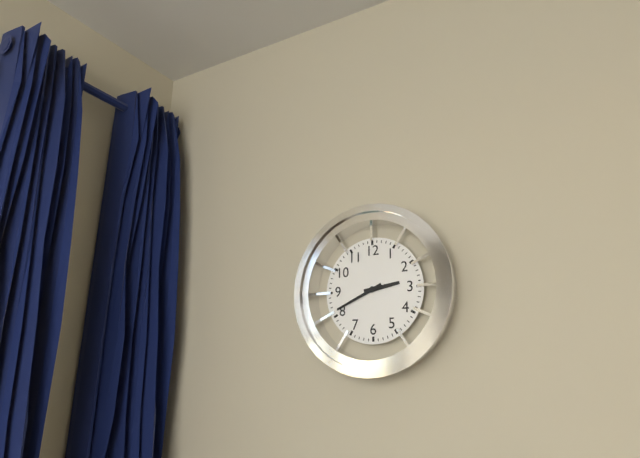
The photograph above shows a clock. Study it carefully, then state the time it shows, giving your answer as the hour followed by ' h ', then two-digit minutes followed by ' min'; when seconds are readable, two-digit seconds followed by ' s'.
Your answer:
2 h 41 min
